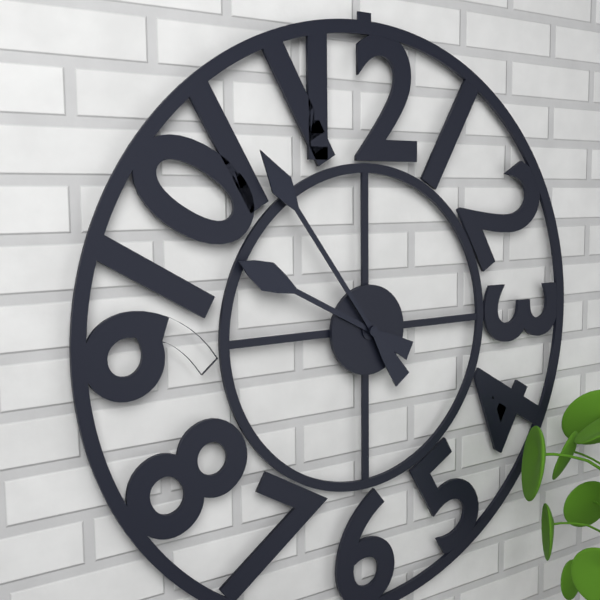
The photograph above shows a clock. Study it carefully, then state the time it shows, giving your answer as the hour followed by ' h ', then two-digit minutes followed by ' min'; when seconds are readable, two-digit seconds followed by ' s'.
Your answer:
9 h 54 min
